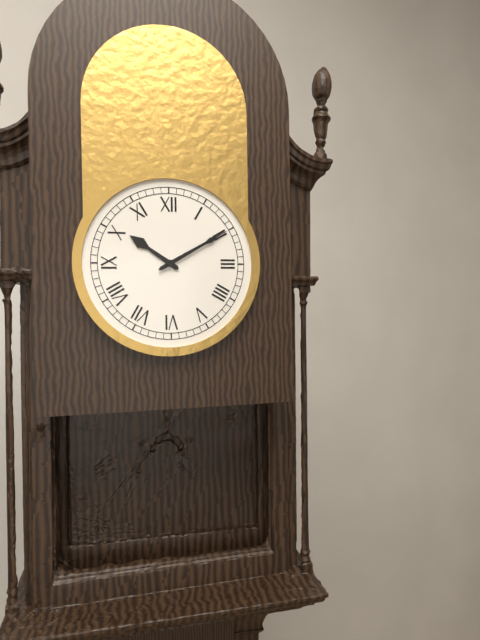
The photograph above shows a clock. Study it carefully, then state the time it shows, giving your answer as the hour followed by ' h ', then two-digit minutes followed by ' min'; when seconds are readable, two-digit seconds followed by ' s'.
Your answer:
10 h 10 min
